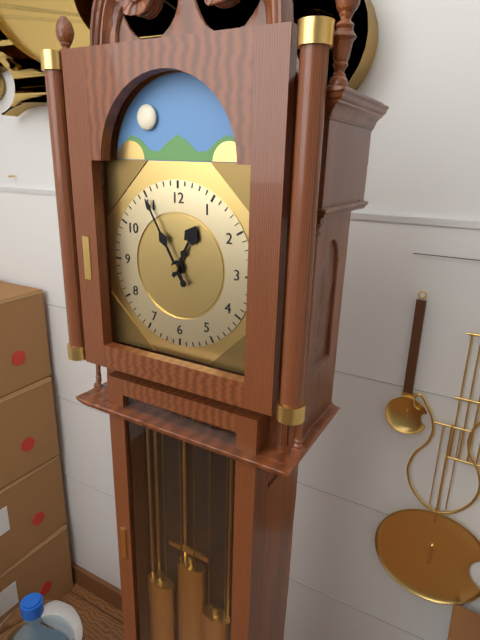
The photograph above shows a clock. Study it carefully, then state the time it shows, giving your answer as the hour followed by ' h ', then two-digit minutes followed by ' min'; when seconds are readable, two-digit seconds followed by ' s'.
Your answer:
12 h 55 min
